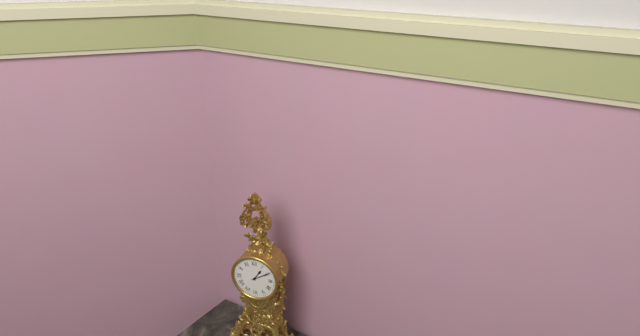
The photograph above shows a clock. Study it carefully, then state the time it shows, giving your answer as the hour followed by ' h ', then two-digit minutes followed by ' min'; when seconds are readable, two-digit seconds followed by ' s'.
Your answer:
1 h 10 min
